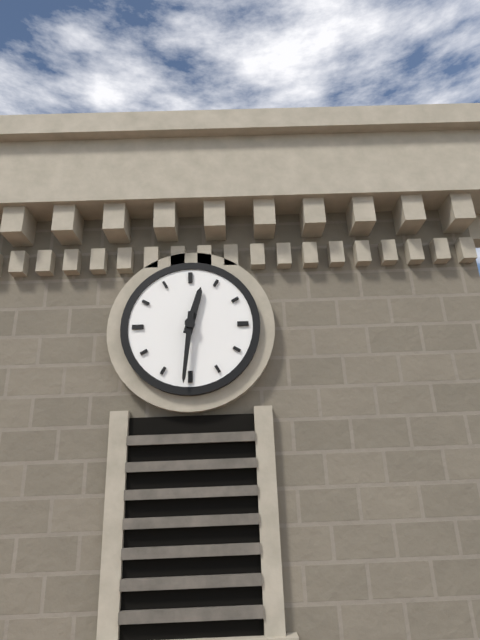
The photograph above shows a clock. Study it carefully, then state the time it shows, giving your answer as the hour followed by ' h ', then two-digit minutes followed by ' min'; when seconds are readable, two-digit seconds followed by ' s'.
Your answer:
12 h 31 min
